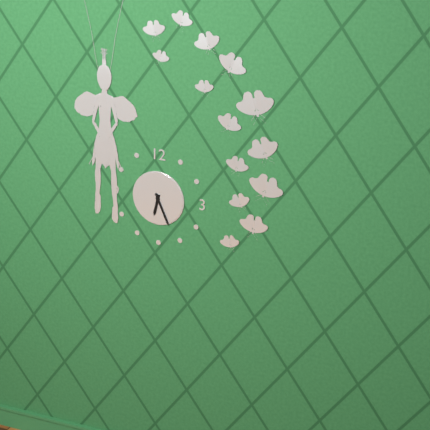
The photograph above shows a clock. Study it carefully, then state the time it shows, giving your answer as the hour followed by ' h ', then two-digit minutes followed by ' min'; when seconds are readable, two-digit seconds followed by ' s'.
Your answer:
6 h 26 min
